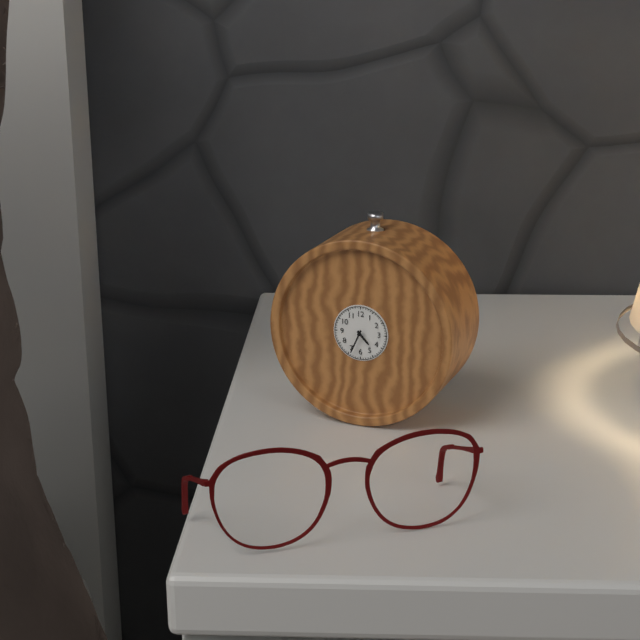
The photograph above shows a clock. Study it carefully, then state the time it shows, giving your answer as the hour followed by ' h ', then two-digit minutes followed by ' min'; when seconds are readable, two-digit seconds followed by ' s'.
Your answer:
4 h 34 min
